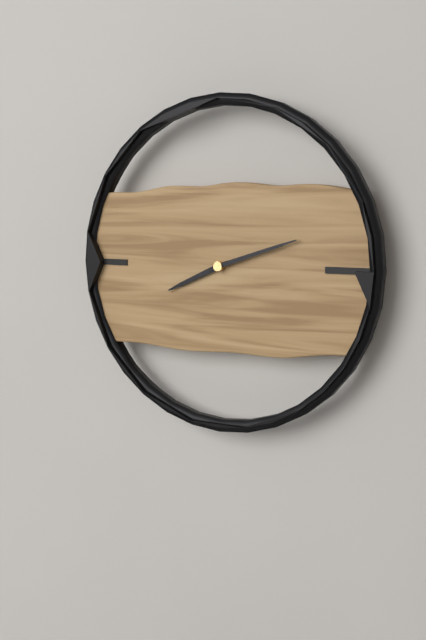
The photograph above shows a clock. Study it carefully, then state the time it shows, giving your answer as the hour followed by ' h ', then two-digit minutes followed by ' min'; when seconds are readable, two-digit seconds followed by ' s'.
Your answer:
8 h 12 min
